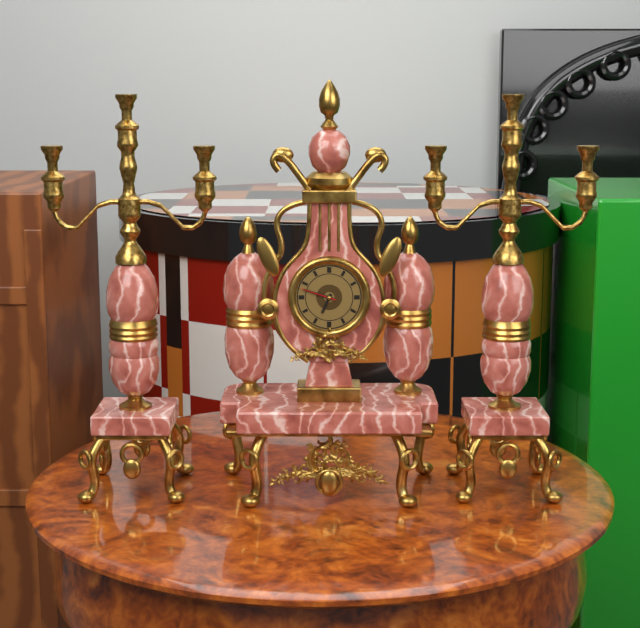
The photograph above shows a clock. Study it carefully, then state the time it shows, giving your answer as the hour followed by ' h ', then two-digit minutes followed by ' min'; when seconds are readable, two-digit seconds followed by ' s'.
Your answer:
6 h 48 min
